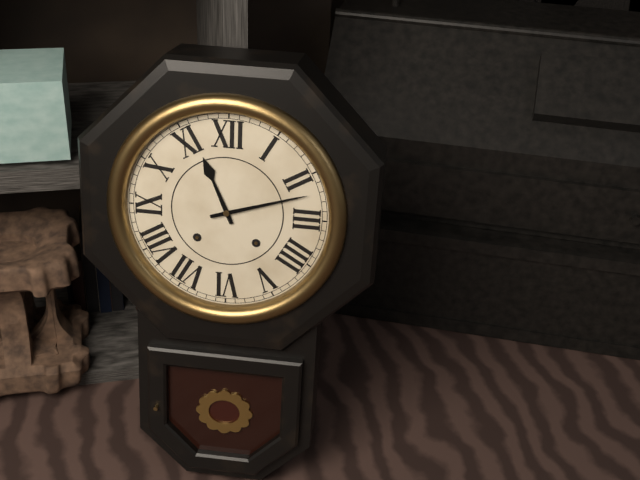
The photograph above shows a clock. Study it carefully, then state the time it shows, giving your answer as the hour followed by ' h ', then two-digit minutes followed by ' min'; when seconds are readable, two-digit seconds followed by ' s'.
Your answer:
11 h 12 min
